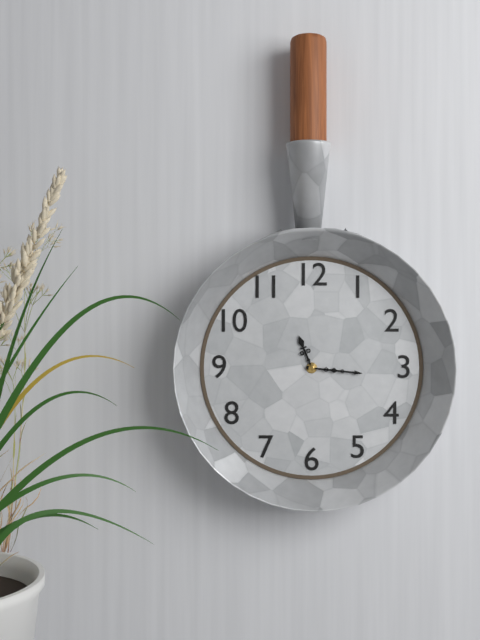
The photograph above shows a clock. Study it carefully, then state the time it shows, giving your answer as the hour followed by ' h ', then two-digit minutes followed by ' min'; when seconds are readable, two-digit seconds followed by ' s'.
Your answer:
11 h 16 min
